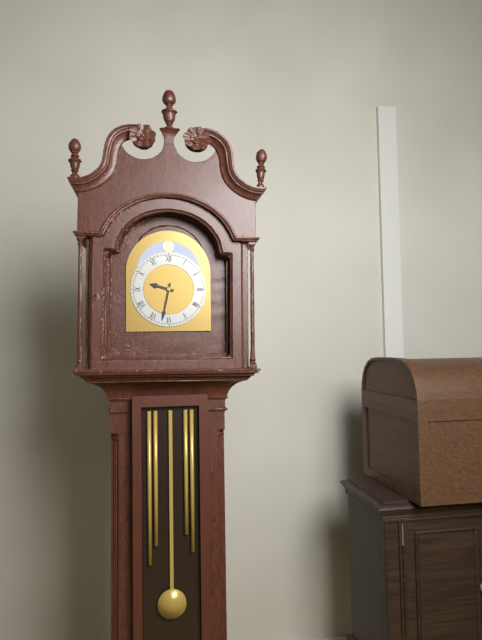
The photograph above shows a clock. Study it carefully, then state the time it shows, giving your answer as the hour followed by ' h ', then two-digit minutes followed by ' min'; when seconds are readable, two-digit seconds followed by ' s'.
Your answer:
9 h 32 min
